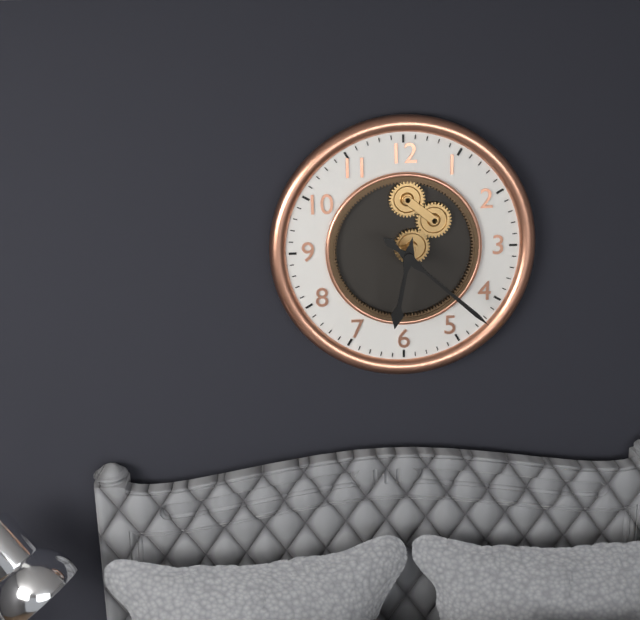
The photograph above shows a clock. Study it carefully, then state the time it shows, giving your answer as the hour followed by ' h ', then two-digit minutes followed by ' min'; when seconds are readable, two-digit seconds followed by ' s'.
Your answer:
6 h 22 min
